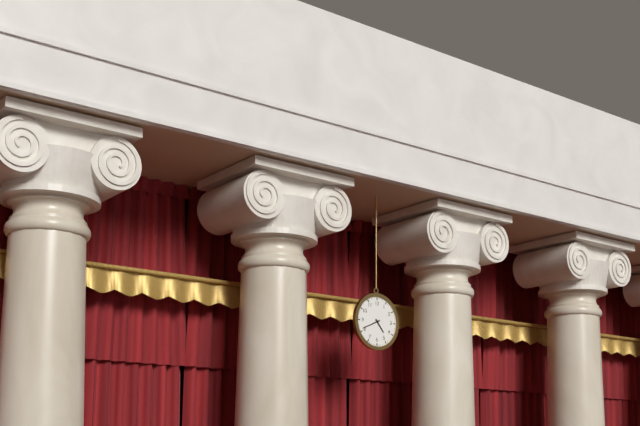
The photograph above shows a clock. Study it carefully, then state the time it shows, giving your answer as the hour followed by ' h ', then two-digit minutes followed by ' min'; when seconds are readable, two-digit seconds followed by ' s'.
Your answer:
4 h 41 min
